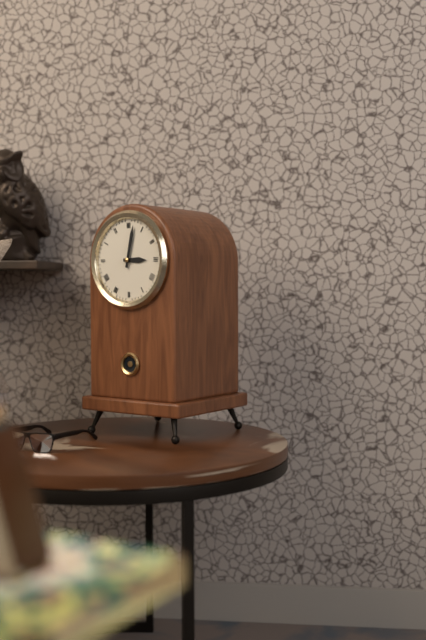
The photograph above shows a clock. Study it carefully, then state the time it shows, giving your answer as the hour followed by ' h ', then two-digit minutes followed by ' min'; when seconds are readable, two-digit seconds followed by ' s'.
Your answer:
3 h 02 min
